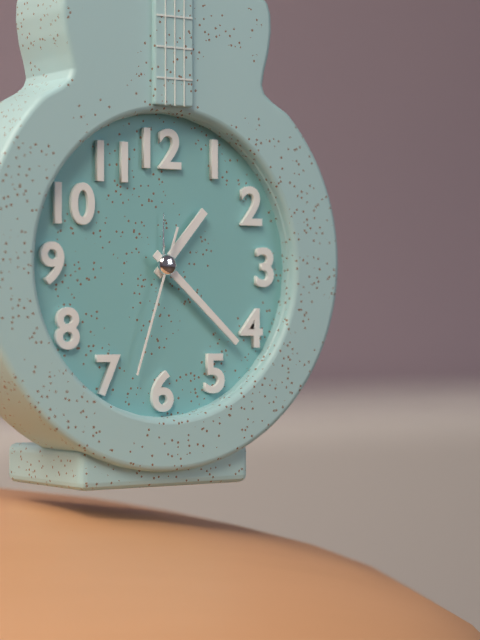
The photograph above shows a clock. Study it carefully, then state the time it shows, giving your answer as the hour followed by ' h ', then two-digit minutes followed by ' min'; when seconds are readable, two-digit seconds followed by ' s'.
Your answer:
1 h 22 min 33 s
